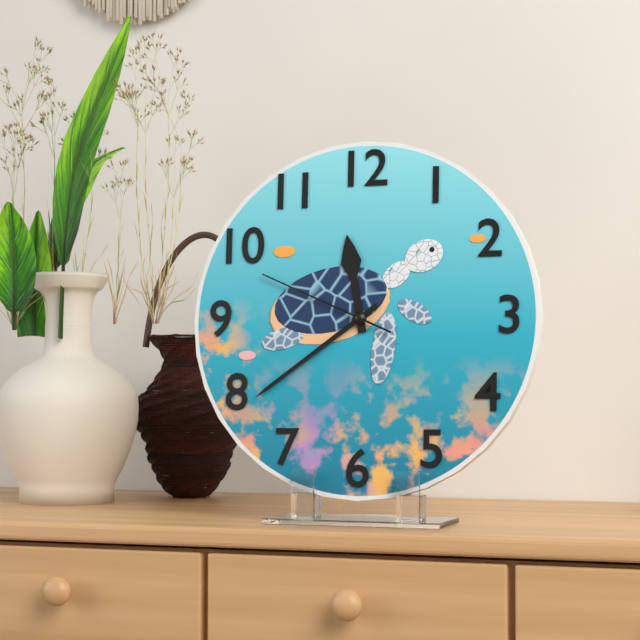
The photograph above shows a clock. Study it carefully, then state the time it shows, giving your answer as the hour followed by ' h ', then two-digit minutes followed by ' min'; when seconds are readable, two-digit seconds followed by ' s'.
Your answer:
11 h 39 min 49 s
